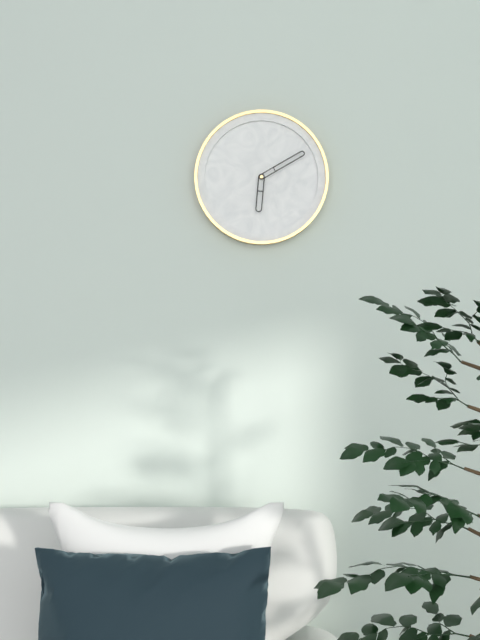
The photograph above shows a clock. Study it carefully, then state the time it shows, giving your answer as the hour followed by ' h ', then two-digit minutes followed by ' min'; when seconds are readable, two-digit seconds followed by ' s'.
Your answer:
6 h 10 min
